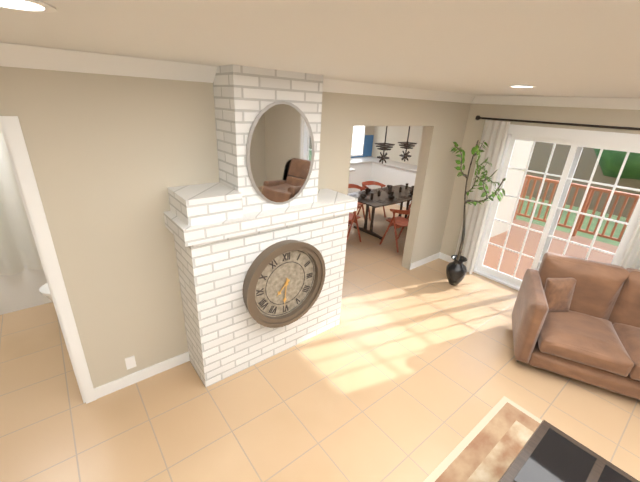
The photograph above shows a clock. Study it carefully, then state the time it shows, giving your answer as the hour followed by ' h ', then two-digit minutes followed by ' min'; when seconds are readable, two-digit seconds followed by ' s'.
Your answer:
7 h 31 min
